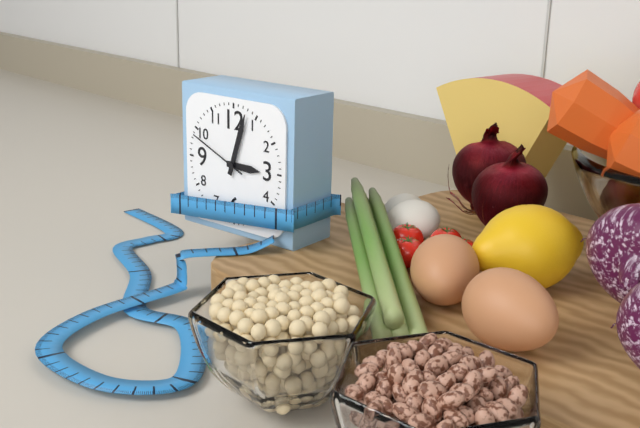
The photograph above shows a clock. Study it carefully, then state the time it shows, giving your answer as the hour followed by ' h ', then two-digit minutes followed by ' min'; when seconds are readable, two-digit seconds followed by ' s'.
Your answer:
3 h 03 min 49 s
